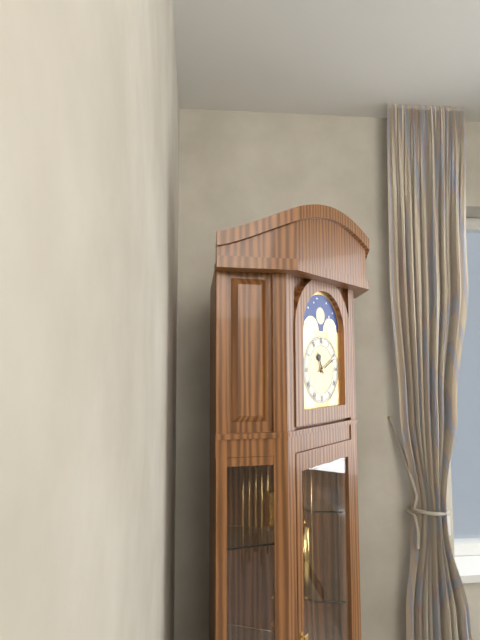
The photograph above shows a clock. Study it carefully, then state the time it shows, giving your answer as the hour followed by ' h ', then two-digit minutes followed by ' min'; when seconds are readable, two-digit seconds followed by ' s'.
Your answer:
11 h 11 min
